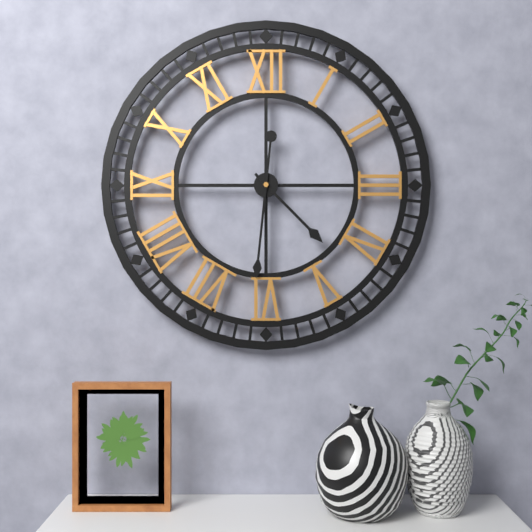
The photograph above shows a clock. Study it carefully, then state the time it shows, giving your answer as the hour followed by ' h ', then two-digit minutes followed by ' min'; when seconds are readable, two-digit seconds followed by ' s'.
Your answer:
4 h 31 min
